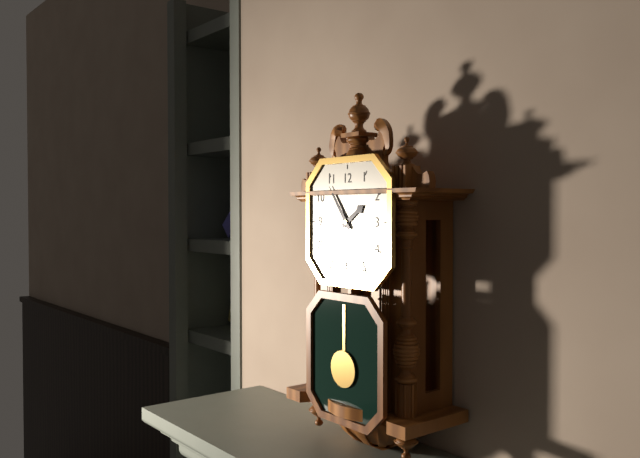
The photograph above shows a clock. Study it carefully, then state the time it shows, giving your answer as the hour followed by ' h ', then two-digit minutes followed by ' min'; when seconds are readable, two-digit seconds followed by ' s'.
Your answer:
1 h 54 min
